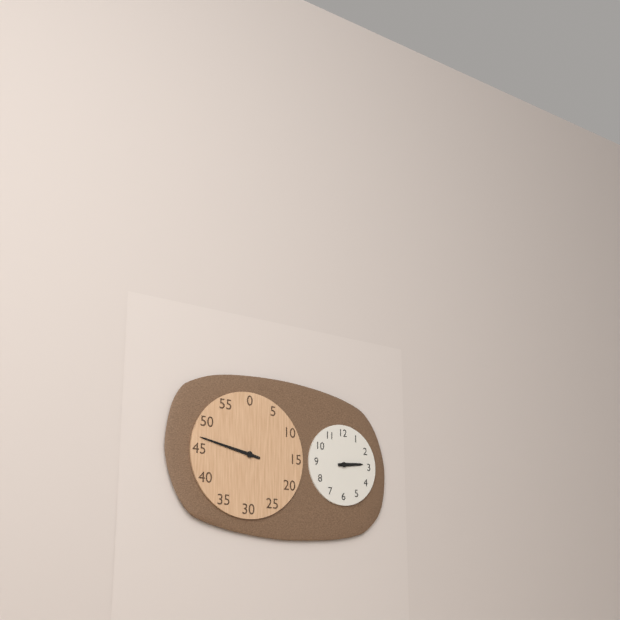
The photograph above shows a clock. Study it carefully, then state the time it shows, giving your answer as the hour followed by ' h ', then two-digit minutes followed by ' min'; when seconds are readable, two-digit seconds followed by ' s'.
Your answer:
2 h 47 min
